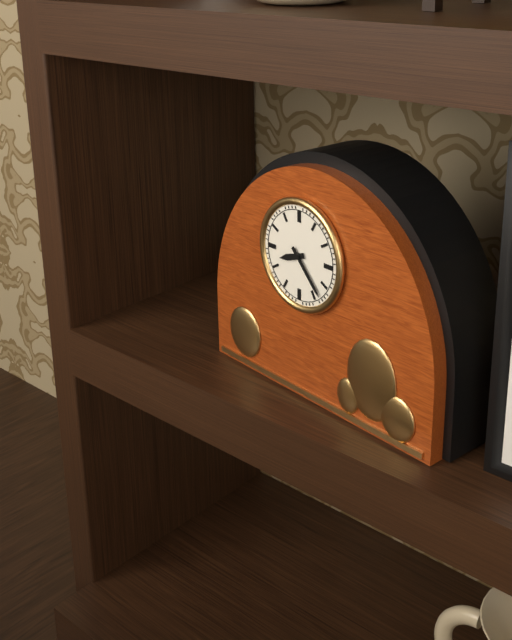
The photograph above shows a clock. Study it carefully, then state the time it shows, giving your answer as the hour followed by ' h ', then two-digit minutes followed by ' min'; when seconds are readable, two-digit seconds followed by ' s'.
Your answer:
8 h 23 min
